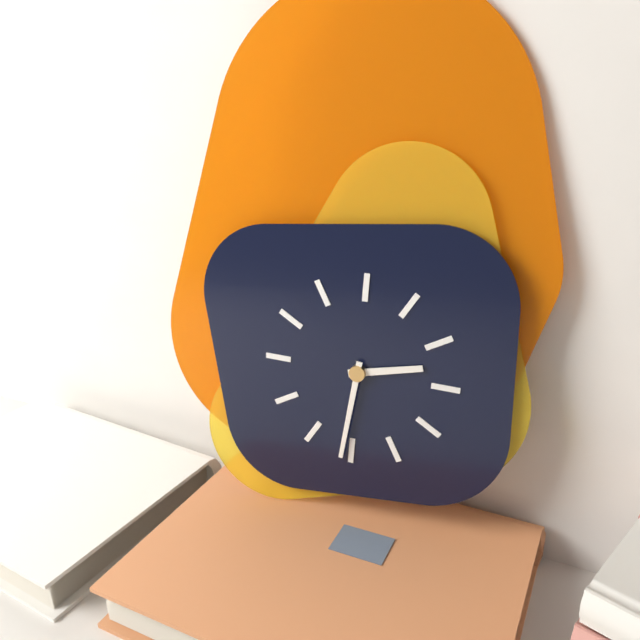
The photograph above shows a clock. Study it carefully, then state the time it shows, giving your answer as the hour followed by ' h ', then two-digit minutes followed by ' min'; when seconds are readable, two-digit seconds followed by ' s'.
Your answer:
2 h 31 min
